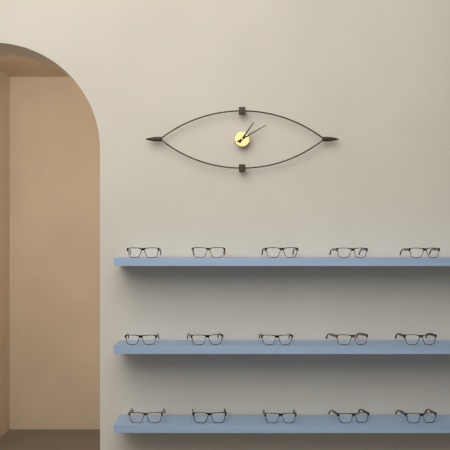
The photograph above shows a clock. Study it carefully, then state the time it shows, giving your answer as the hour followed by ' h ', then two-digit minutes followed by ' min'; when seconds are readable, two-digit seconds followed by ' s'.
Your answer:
1 h 10 min
